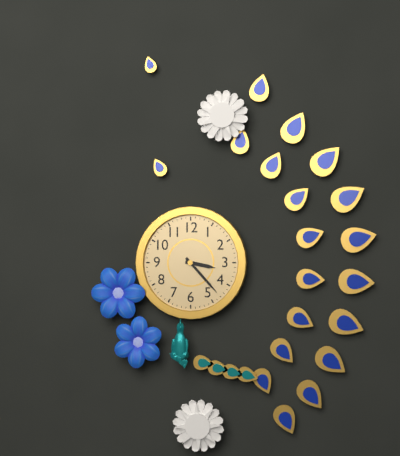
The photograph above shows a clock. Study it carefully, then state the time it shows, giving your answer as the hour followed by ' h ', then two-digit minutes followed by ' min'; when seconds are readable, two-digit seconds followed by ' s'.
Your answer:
3 h 23 min
